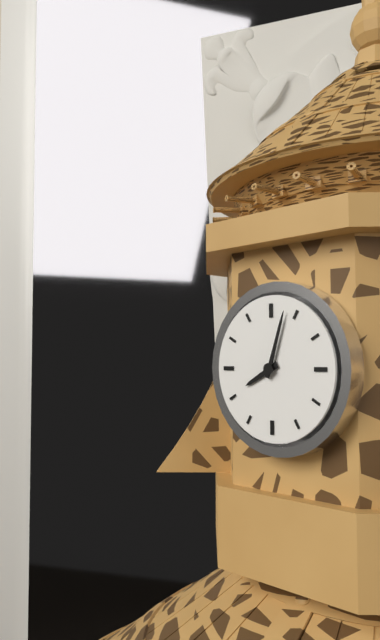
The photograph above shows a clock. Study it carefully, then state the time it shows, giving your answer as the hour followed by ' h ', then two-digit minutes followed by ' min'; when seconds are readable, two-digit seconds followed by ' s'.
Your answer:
8 h 03 min
